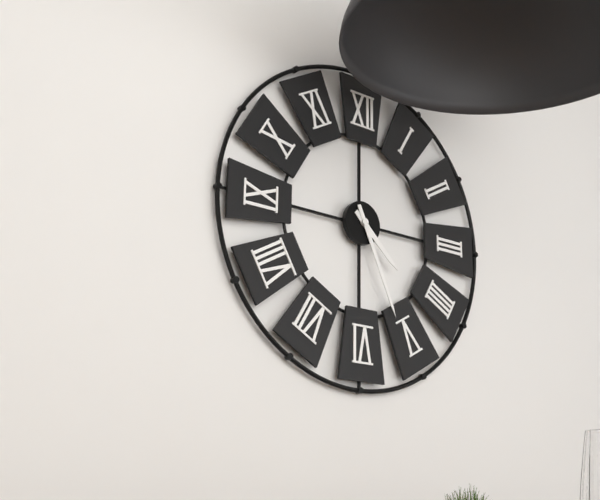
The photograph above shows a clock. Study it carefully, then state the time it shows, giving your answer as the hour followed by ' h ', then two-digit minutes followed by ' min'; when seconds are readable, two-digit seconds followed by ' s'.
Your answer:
4 h 26 min
